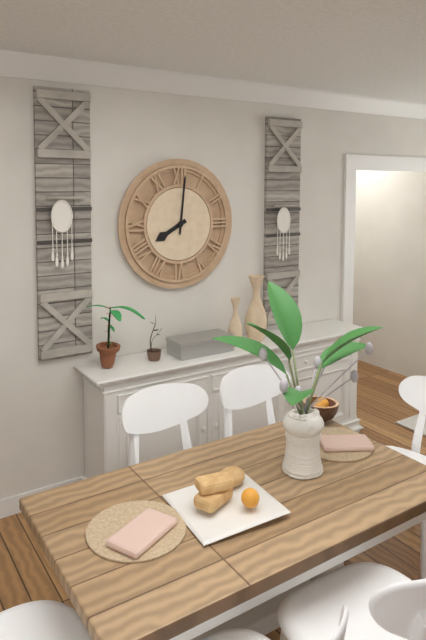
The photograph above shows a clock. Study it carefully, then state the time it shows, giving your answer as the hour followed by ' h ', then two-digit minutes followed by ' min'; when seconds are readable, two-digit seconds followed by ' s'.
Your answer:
8 h 01 min
